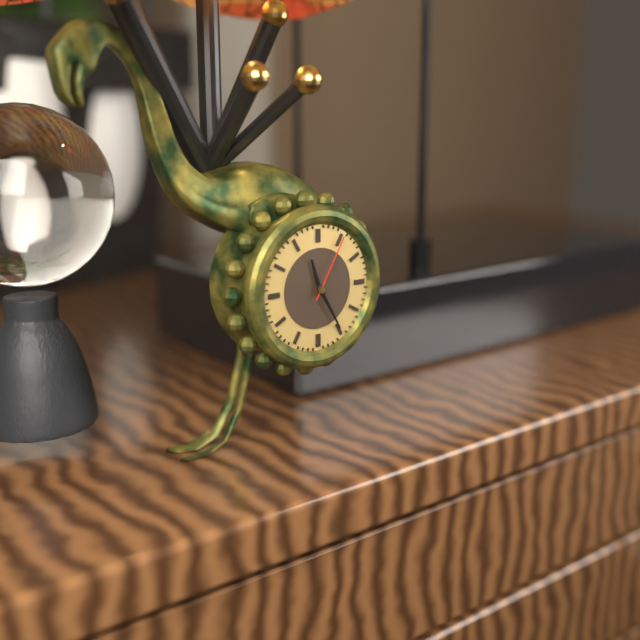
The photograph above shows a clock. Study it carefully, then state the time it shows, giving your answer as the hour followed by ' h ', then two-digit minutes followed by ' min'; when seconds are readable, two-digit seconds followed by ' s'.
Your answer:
11 h 25 min 05 s
